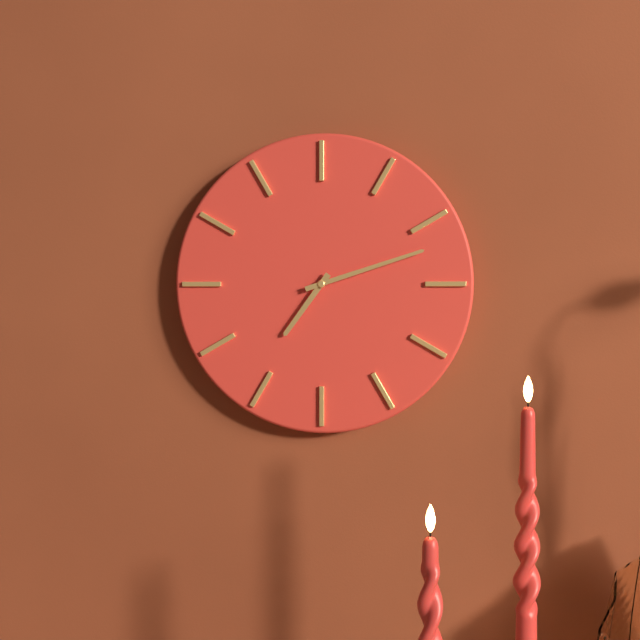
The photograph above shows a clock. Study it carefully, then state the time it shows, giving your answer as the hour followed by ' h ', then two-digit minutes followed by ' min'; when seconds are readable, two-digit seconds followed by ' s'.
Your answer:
7 h 12 min
